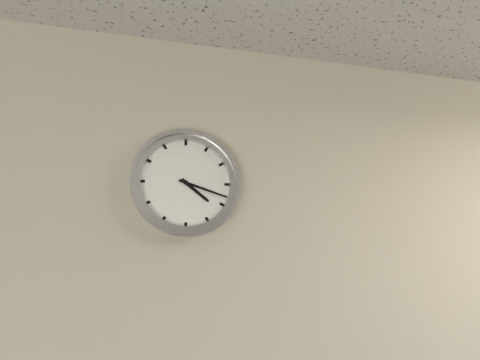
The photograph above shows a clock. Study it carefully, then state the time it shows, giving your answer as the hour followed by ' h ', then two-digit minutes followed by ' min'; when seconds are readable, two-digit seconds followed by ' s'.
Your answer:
4 h 18 min
